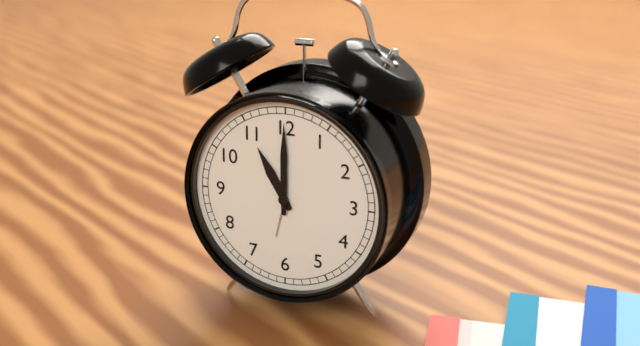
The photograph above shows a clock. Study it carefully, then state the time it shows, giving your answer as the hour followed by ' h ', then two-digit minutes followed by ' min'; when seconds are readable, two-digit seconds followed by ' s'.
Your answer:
11 h 00 min
